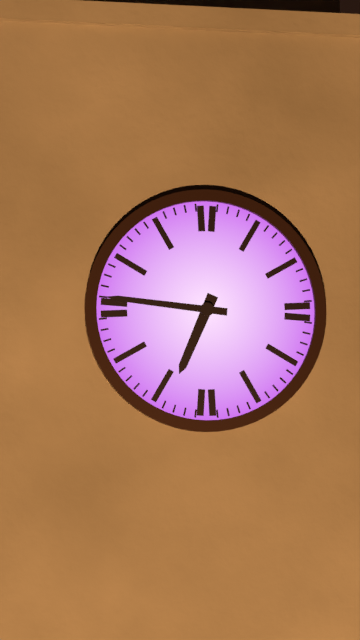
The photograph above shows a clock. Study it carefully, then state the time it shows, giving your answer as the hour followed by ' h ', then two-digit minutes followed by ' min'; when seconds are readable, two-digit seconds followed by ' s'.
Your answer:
6 h 46 min
